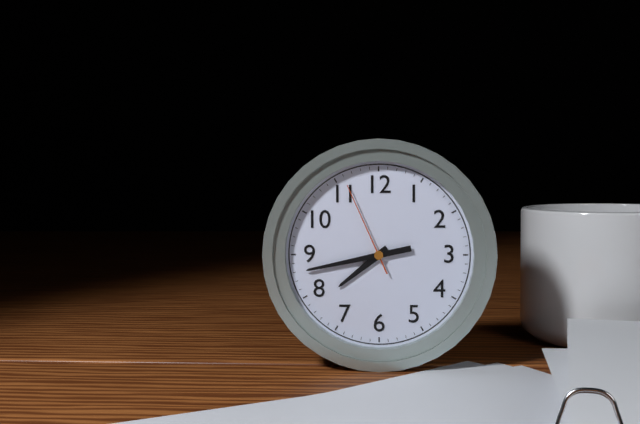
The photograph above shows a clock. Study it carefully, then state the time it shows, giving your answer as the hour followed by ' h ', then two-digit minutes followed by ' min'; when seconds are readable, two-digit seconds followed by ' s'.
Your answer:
7 h 43 min 56 s
